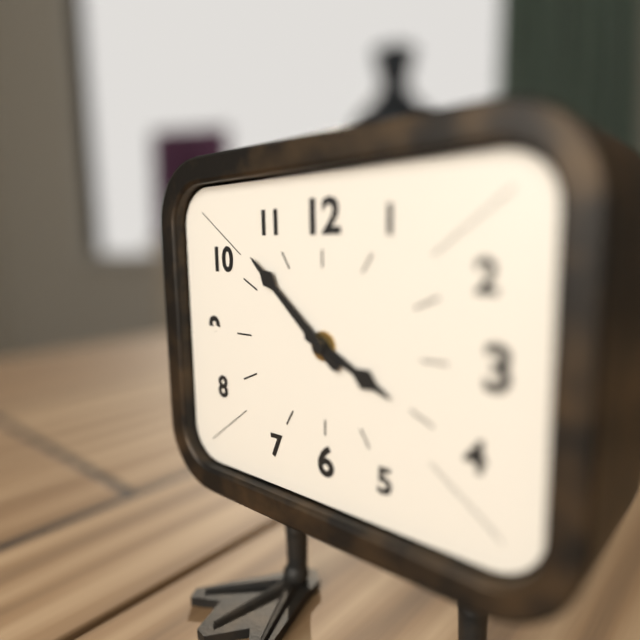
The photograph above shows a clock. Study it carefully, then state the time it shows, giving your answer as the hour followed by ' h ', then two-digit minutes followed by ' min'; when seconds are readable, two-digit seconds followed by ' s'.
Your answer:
3 h 52 min
